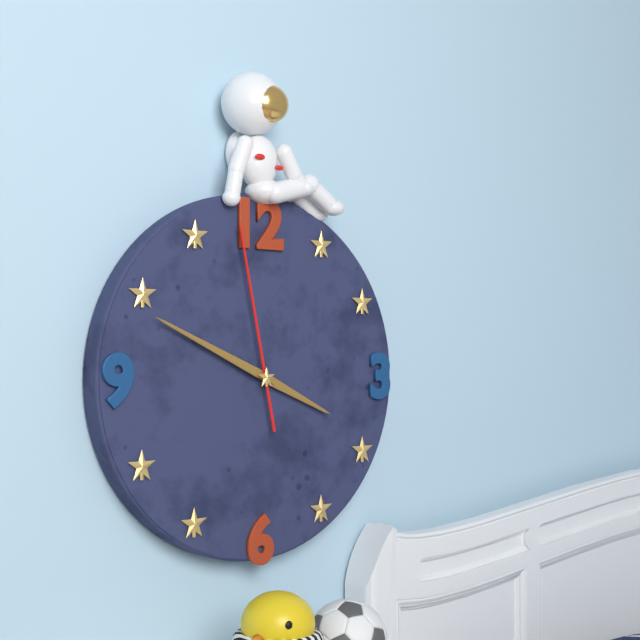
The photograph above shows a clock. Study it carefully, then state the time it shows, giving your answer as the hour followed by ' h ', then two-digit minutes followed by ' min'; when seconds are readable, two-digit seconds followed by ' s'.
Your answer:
3 h 49 min 58 s
